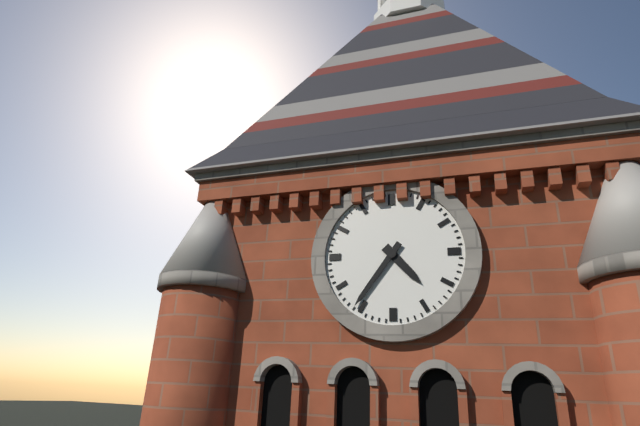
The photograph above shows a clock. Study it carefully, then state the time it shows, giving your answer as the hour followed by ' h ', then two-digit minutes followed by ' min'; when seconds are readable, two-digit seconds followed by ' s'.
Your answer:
4 h 36 min
